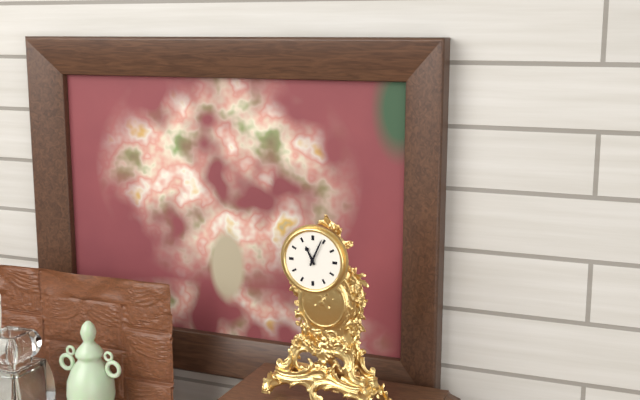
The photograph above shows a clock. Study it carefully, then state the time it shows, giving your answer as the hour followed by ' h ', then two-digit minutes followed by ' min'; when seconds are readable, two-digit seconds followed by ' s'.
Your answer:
11 h 04 min
